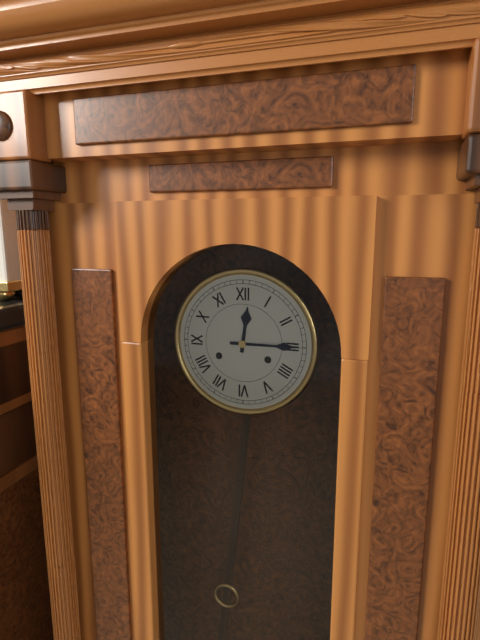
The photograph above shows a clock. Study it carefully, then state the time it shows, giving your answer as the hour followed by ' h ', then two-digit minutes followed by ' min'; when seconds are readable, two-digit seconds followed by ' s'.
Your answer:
12 h 15 min
